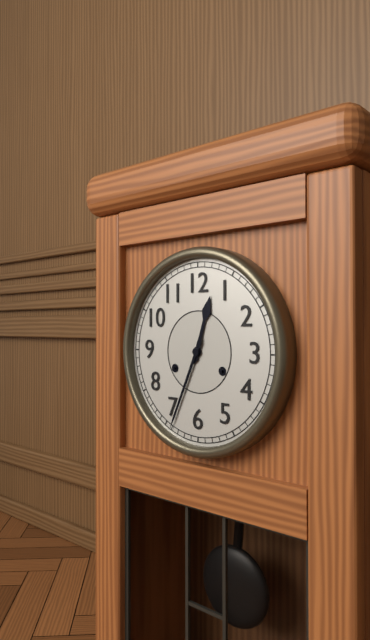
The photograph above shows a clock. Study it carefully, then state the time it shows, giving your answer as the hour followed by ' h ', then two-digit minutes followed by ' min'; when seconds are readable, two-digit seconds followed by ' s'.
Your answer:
12 h 34 min
